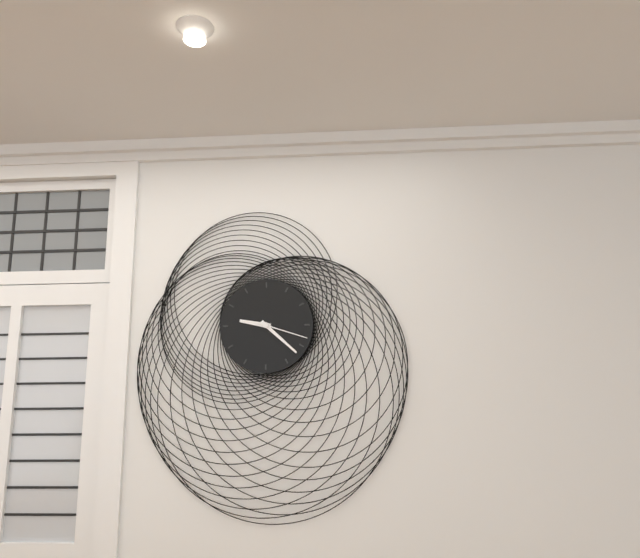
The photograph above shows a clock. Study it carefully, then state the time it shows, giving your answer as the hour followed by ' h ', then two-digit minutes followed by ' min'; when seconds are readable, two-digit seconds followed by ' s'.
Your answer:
9 h 22 min 18 s
